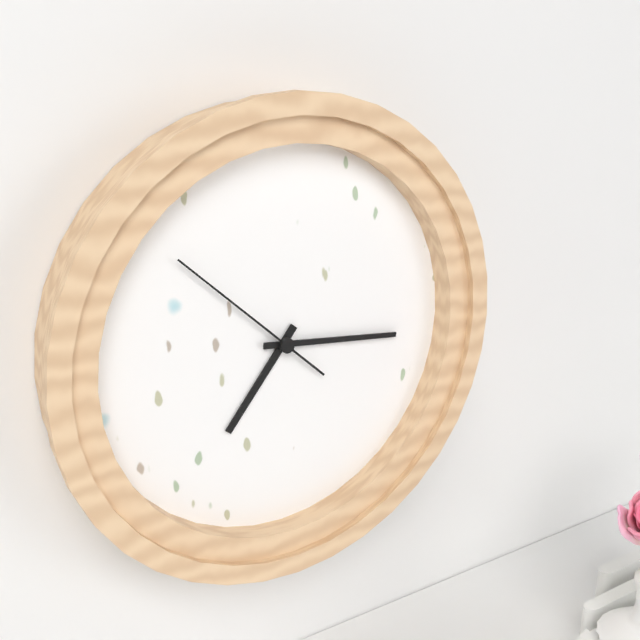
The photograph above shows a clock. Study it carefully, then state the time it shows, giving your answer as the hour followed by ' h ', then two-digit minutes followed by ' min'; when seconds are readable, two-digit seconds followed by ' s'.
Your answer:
7 h 16 min 52 s
